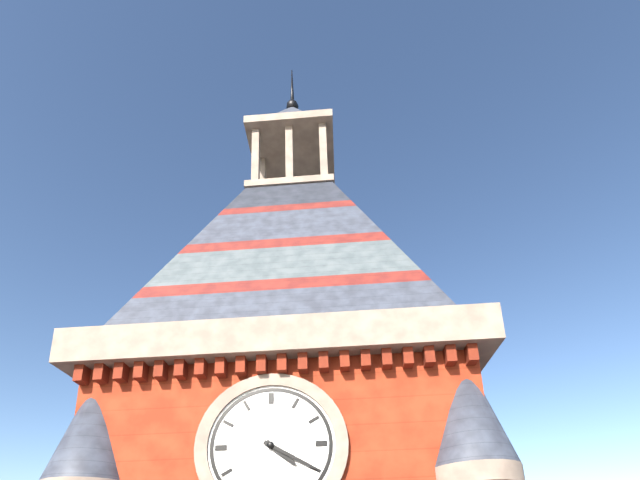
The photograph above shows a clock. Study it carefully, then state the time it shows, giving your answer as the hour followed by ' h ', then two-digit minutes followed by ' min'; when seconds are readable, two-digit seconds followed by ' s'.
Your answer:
4 h 20 min
